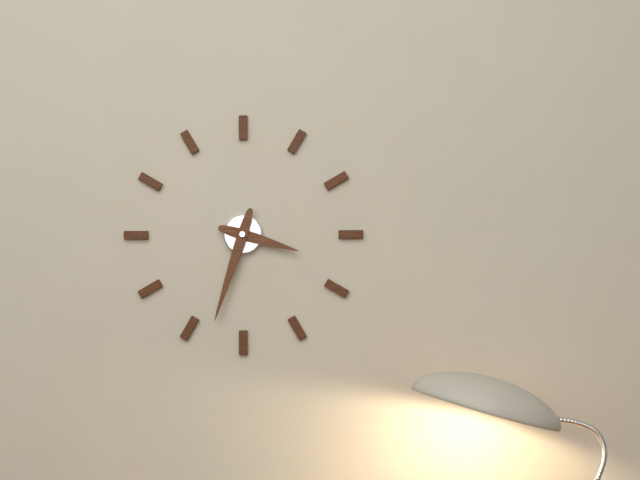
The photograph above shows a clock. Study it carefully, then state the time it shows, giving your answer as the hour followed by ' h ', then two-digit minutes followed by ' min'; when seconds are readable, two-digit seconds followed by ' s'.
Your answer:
3 h 33 min
